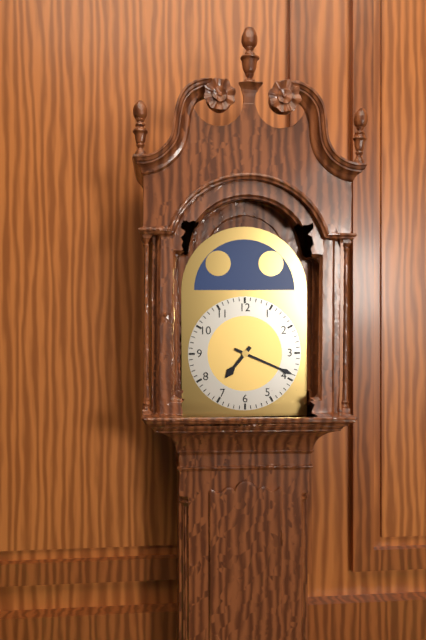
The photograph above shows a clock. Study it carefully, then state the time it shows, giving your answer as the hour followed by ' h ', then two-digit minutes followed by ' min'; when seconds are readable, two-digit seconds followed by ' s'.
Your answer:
7 h 19 min
